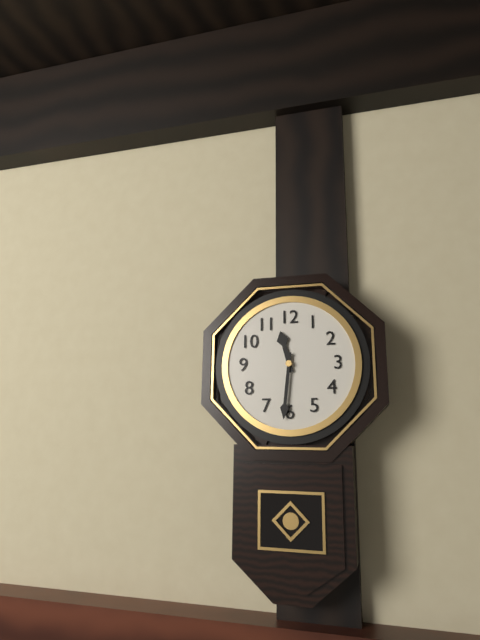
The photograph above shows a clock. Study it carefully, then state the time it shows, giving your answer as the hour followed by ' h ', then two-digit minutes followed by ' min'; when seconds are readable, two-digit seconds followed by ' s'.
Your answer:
11 h 31 min
